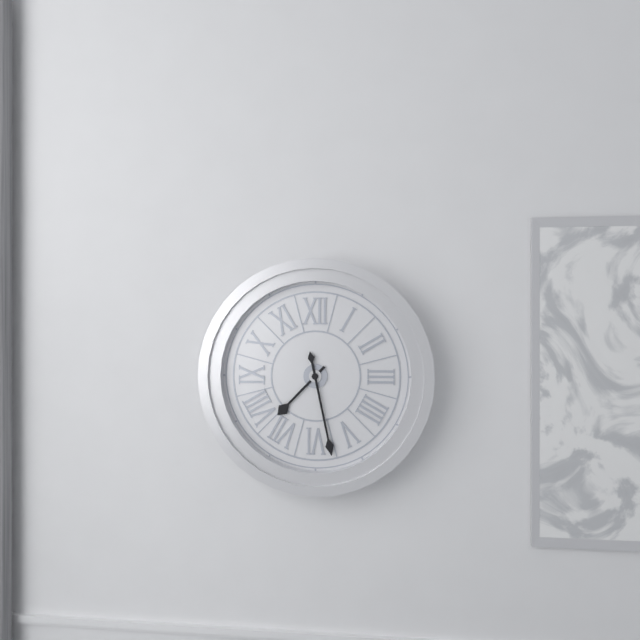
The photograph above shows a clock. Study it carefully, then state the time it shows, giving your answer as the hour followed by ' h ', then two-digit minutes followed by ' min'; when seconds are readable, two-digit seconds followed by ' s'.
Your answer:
7 h 28 min
